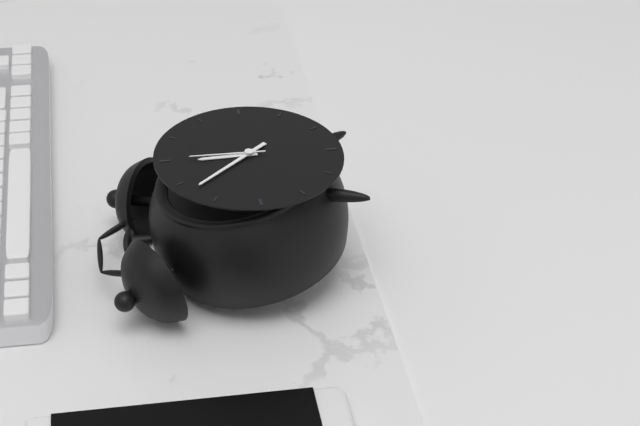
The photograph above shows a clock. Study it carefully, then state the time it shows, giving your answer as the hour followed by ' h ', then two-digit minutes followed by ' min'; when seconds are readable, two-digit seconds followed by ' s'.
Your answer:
11 h 53 min 00 s
